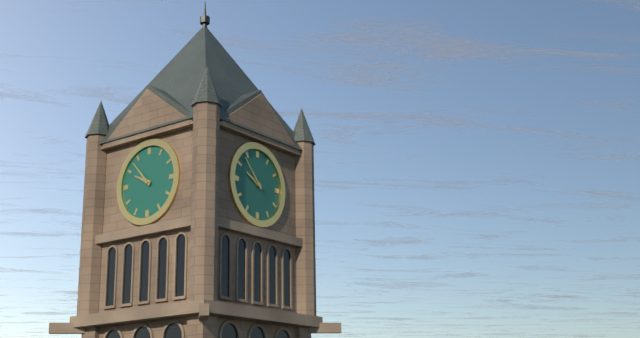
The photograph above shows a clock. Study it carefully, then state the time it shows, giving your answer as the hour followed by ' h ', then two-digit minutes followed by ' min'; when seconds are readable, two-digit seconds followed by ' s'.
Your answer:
9 h 53 min
